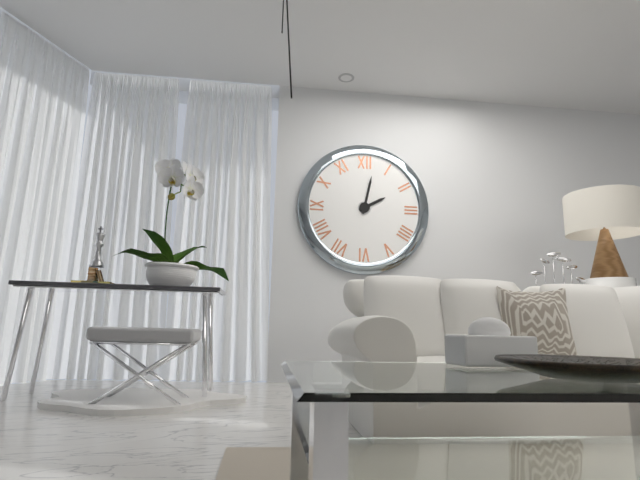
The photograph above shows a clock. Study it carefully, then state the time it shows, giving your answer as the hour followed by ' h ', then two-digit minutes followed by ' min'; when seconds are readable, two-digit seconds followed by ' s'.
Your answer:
2 h 02 min
